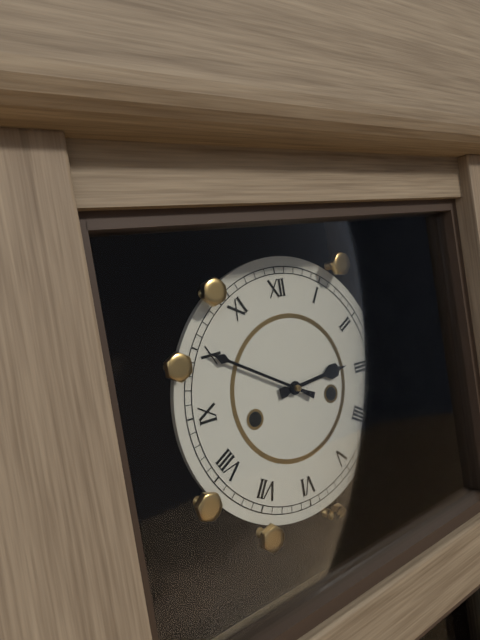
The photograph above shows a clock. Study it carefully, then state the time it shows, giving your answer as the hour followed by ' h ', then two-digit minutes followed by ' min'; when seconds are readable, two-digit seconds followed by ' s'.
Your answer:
2 h 50 min
